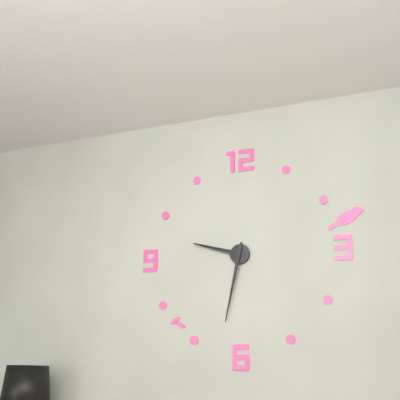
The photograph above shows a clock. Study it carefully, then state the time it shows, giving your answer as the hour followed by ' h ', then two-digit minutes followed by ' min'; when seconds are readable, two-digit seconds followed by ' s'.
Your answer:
9 h 32 min
